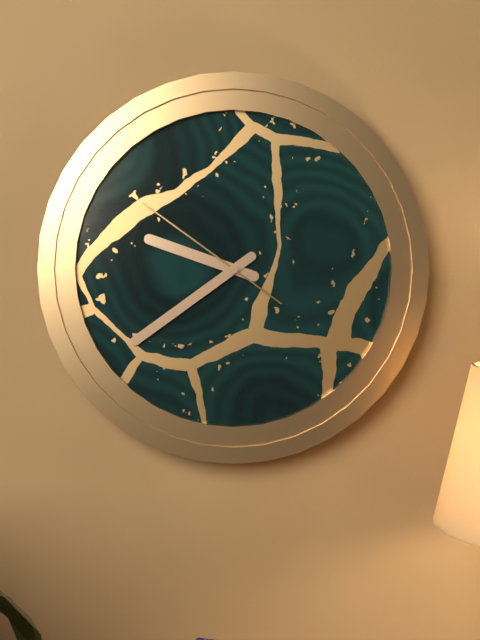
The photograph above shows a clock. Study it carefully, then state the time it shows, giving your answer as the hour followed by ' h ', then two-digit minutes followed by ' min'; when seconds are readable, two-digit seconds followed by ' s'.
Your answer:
9 h 39 min 51 s
